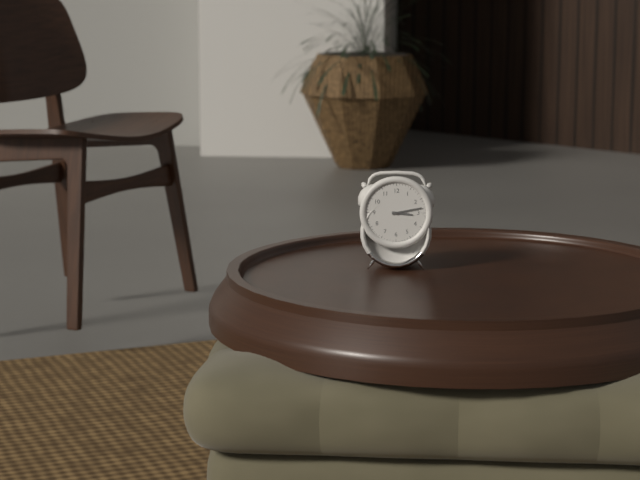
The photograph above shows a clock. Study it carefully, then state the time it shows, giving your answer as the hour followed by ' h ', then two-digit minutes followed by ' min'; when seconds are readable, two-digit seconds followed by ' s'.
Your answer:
3 h 13 min
